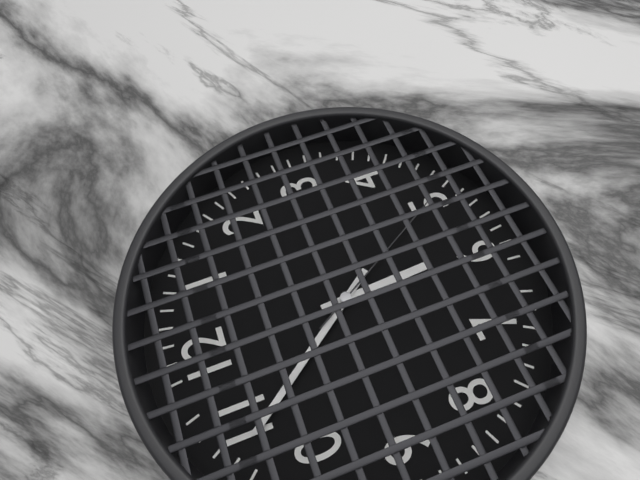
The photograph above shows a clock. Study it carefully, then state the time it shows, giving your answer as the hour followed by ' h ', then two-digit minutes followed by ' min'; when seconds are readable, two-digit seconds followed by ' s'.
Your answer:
5 h 54 min 25 s
